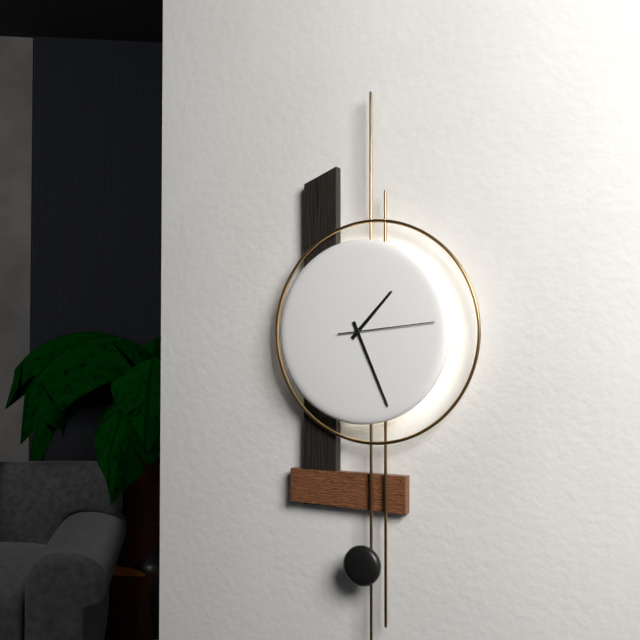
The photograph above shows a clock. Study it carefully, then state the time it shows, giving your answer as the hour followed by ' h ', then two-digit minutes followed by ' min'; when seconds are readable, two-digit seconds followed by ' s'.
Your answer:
1 h 26 min 14 s
